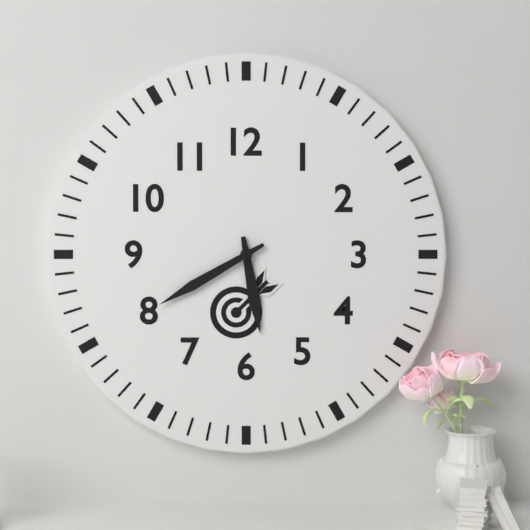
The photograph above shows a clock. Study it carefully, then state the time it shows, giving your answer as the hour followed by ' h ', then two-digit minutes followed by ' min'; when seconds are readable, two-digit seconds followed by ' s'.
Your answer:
5 h 40 min
